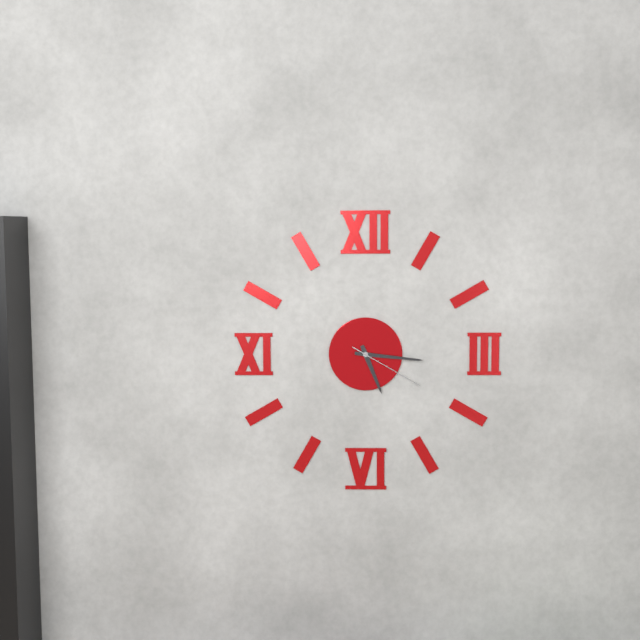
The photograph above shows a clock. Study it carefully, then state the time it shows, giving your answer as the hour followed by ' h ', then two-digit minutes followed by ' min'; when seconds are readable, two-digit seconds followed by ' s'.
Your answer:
5 h 16 min 20 s
